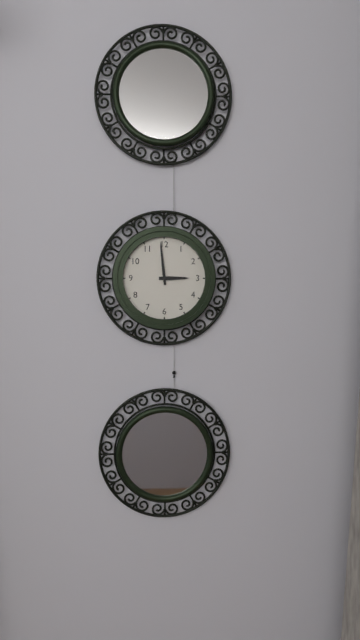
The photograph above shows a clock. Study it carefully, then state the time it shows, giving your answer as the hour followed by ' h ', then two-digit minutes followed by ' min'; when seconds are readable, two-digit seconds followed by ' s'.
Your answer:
2 h 59 min
